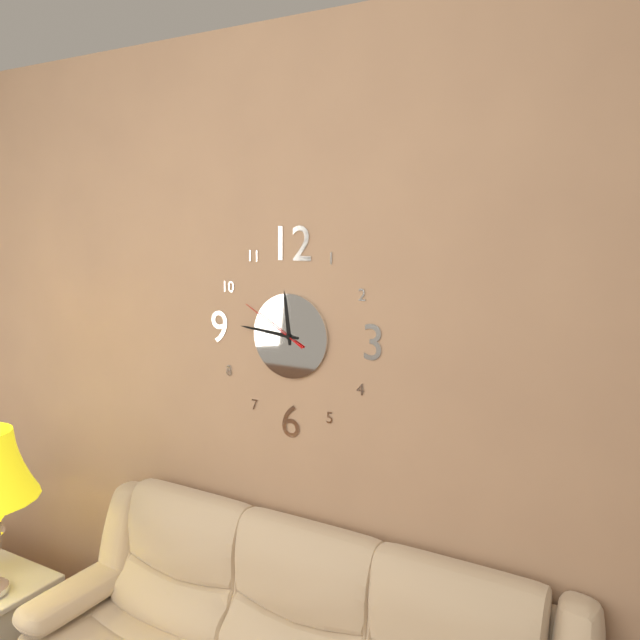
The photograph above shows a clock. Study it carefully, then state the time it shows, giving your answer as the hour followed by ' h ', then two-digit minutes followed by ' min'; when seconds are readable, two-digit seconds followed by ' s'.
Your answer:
11 h 46 min 50 s
